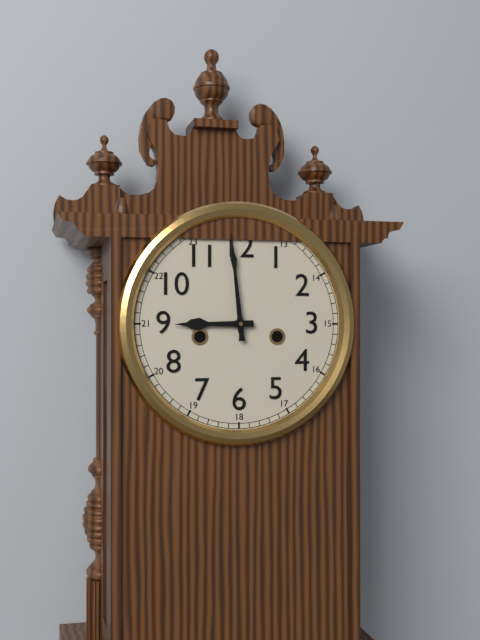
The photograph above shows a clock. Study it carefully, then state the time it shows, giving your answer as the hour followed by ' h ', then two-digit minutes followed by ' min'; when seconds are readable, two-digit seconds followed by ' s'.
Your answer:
8 h 59 min
